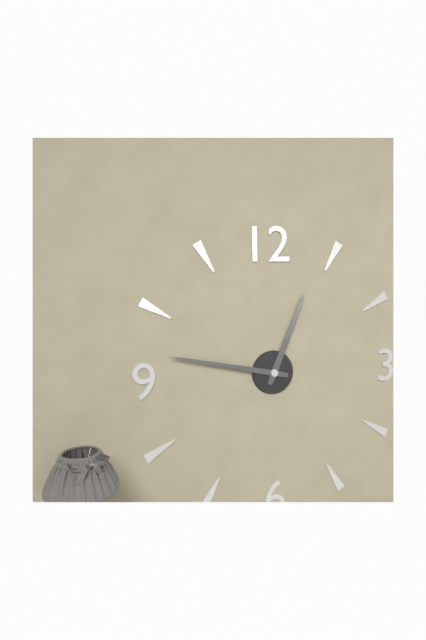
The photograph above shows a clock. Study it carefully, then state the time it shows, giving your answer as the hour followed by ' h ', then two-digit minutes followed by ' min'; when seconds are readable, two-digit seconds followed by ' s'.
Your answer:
12 h 47 min
